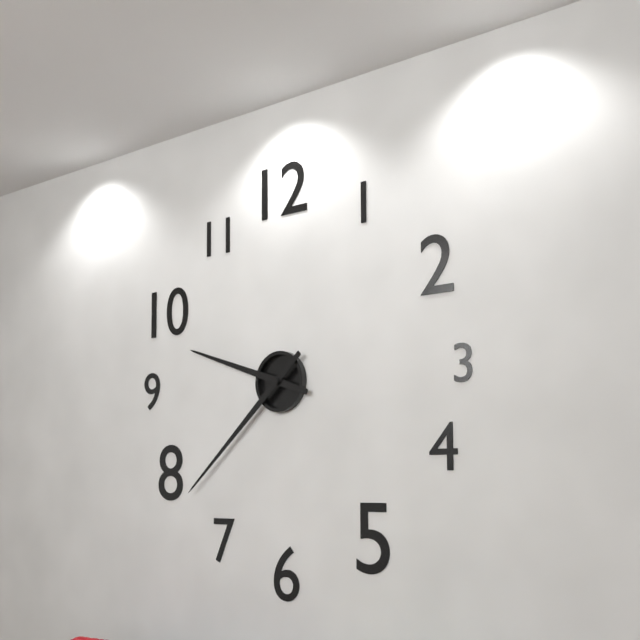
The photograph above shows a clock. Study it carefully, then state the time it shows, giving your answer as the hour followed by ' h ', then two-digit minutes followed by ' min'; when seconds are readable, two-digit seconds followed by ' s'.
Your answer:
9 h 38 min
